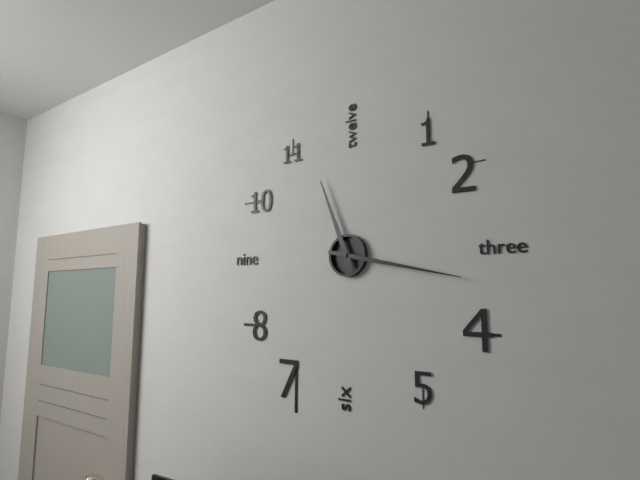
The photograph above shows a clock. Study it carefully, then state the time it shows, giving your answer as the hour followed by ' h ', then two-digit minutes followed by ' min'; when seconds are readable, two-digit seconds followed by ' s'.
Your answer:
11 h 17 min
